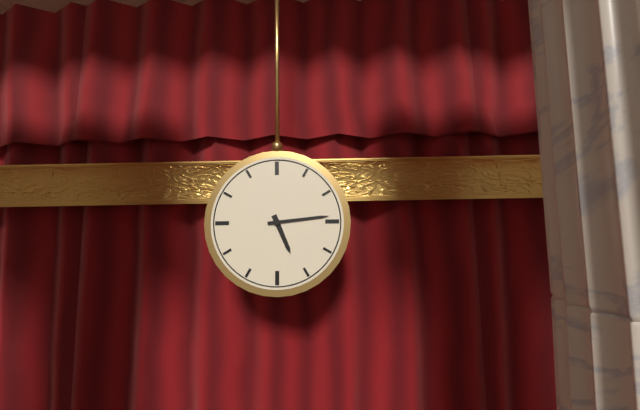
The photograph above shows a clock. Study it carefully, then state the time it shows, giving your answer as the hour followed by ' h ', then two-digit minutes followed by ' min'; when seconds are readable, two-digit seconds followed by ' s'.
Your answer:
5 h 14 min
